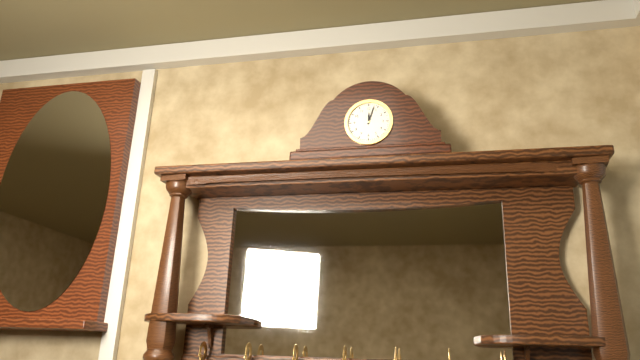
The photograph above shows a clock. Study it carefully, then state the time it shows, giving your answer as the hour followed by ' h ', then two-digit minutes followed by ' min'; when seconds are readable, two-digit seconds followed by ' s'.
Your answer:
12 h 03 min
